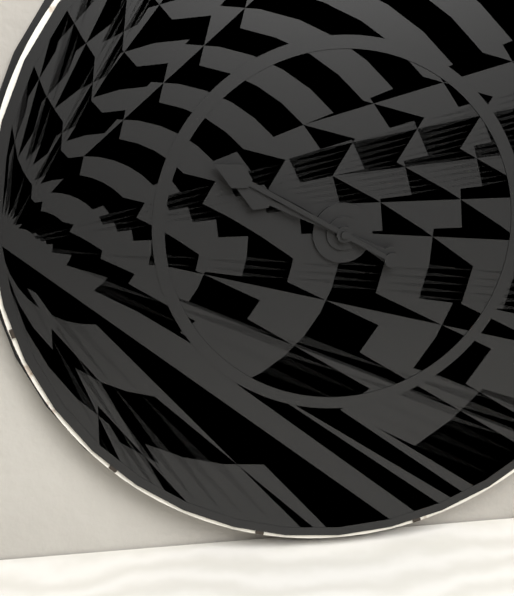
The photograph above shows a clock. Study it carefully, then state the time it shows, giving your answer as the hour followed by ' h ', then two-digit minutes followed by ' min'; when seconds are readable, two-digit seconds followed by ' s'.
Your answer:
9 h 50 min
